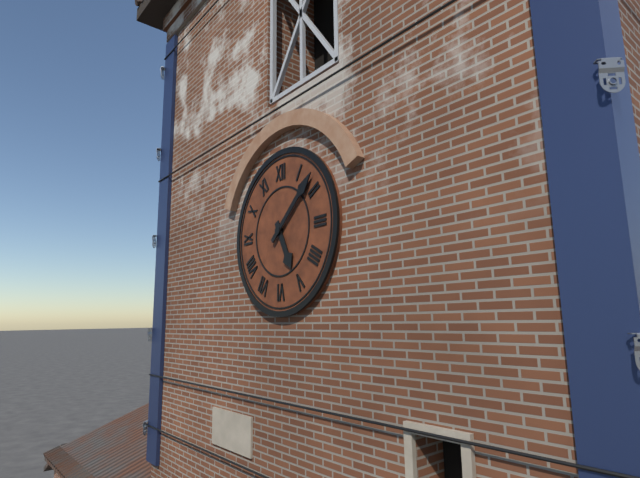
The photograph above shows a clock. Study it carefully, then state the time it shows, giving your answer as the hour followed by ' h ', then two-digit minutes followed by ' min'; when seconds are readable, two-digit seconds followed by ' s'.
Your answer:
5 h 08 min
